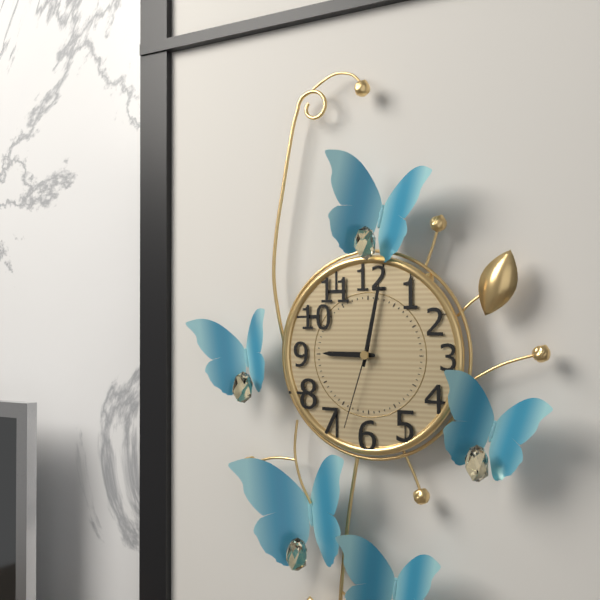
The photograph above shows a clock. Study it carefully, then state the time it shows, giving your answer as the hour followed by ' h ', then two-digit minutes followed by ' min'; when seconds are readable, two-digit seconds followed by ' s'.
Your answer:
9 h 02 min 33 s
